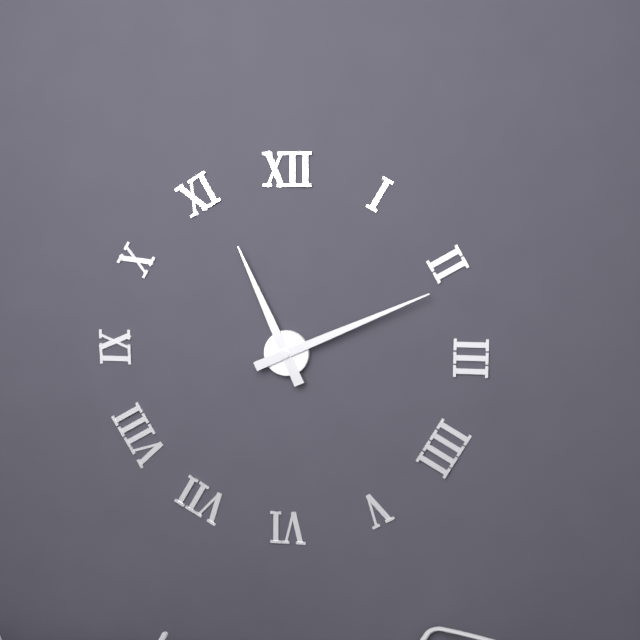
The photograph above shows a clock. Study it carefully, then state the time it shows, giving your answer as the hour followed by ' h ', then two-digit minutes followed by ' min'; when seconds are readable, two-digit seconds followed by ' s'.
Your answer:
11 h 11 min
